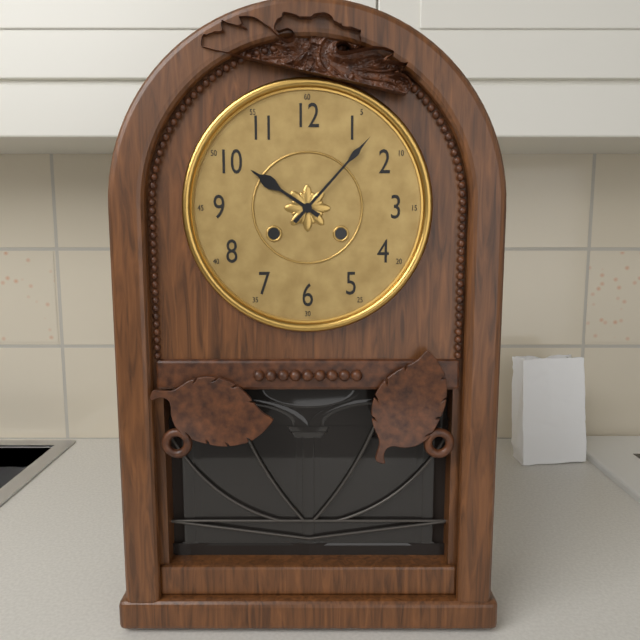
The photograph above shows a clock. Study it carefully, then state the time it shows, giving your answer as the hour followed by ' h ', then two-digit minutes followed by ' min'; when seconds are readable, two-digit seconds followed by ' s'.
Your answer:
10 h 07 min
